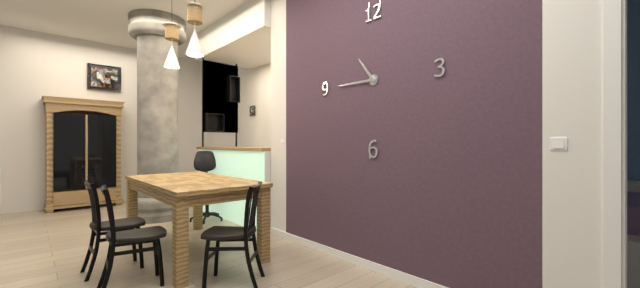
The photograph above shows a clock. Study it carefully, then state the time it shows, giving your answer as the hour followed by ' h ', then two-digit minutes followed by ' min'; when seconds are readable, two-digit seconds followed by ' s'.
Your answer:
10 h 45 min
